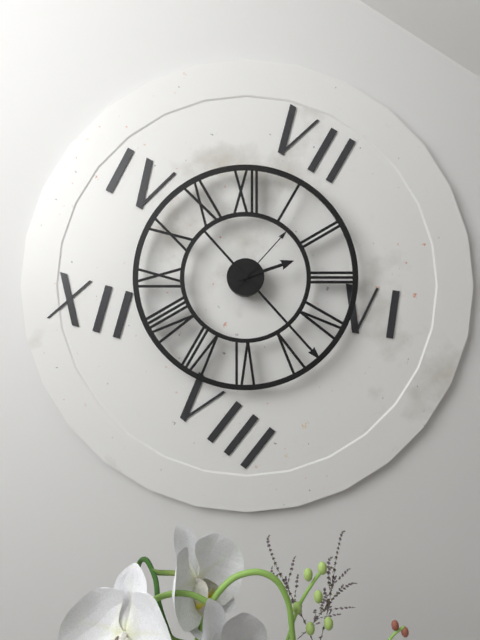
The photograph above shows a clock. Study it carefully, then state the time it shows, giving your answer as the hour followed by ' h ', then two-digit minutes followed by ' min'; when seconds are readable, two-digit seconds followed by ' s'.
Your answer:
2 h 23 min 07 s
